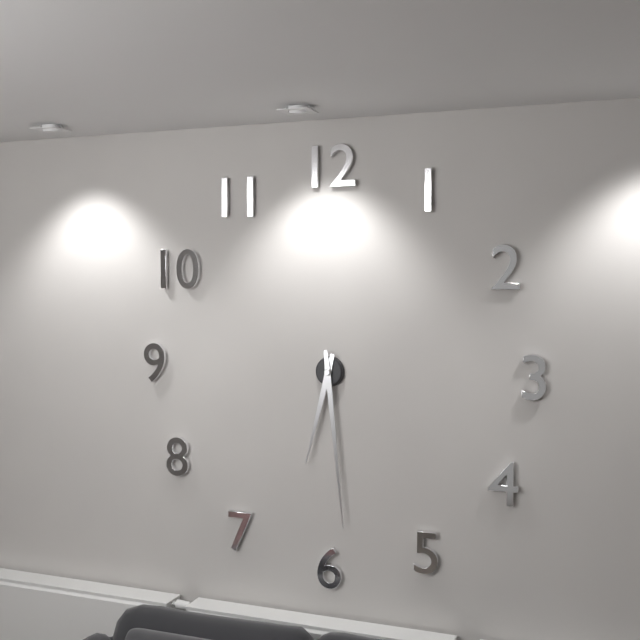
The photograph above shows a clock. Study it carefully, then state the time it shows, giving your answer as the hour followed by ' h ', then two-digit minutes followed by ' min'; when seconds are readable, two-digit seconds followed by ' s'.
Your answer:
6 h 29 min
